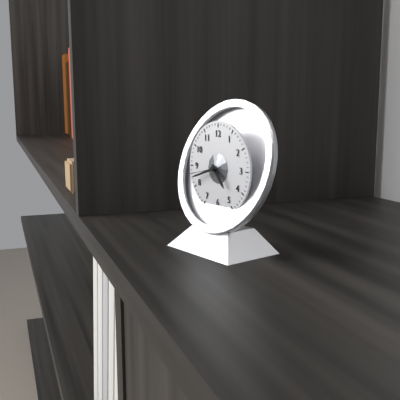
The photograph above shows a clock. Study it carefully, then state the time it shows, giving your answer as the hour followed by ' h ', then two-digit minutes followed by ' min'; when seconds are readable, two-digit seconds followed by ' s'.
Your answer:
4 h 42 min
